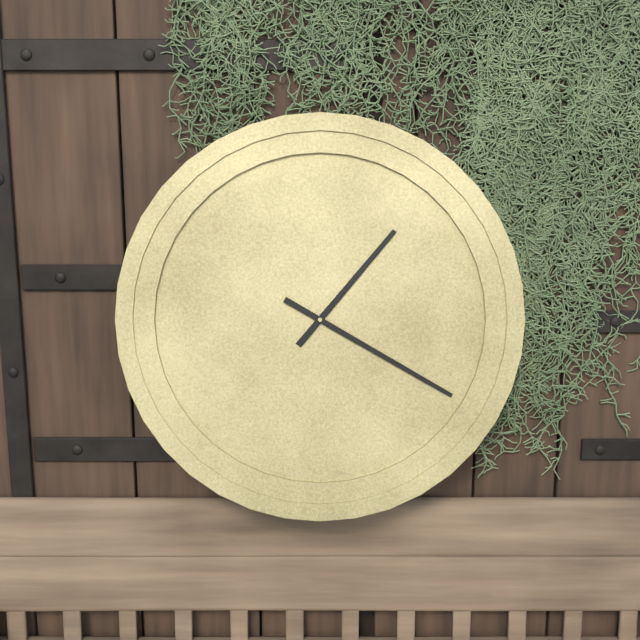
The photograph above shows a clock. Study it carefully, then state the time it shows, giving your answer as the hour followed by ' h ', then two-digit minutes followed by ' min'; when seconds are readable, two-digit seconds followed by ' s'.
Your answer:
1 h 20 min
